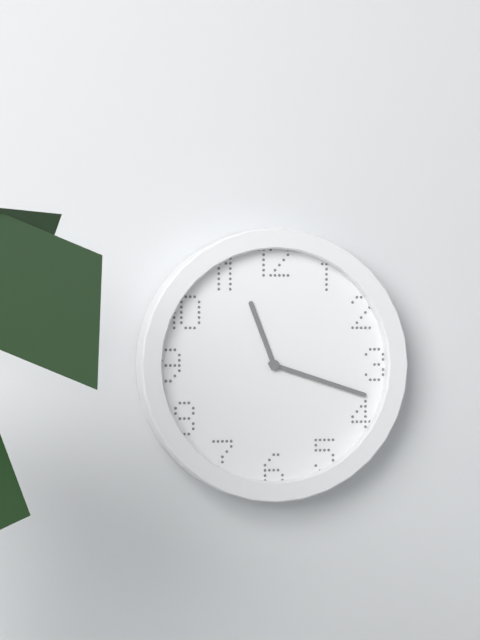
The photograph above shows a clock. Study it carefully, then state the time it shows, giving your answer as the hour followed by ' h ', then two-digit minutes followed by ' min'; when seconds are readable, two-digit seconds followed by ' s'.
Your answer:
11 h 18 min
